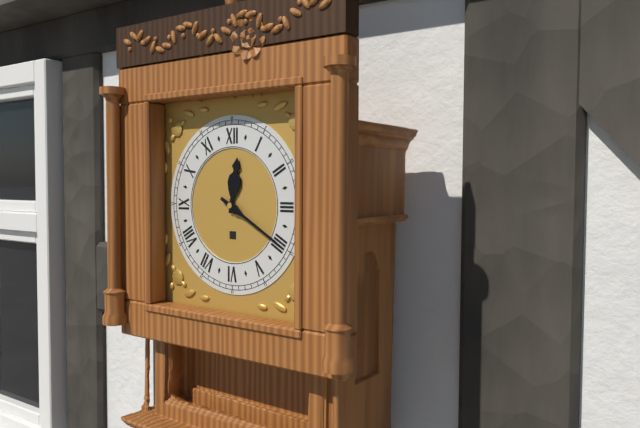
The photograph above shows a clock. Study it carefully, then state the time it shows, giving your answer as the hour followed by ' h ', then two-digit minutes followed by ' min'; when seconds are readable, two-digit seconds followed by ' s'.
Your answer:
12 h 20 min
